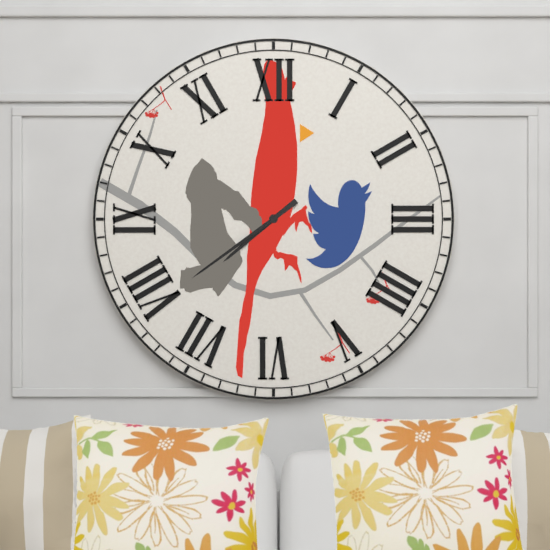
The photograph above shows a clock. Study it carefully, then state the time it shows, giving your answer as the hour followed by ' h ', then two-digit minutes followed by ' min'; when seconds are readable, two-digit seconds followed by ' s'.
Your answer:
7 h 39 min
